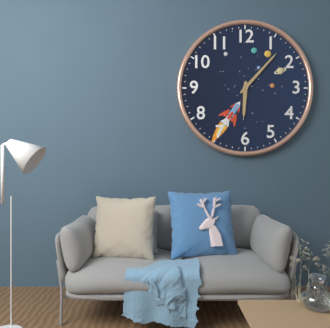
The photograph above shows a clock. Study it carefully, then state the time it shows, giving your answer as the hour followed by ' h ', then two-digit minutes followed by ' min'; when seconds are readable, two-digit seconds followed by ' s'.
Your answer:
6 h 07 min
